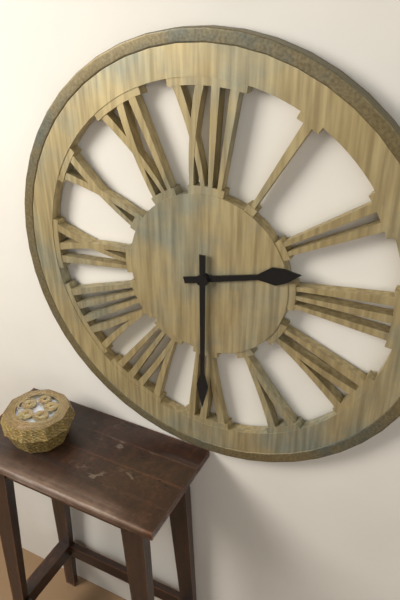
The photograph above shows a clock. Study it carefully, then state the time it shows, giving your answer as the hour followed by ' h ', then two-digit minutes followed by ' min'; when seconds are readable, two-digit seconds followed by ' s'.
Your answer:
2 h 30 min
